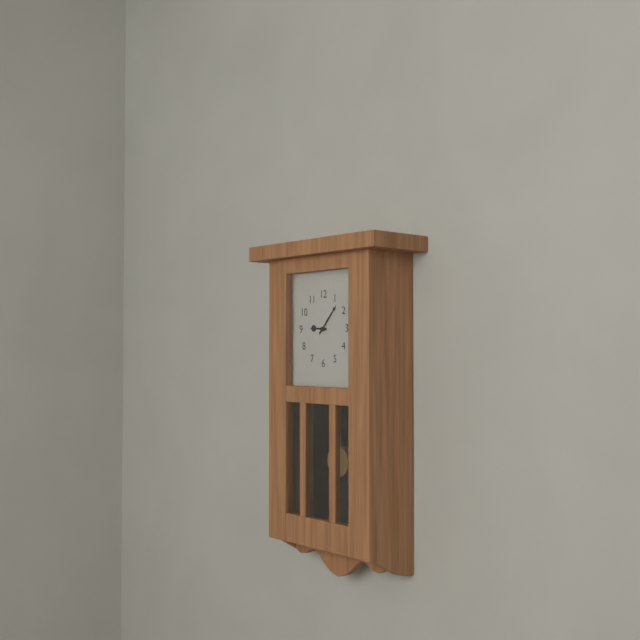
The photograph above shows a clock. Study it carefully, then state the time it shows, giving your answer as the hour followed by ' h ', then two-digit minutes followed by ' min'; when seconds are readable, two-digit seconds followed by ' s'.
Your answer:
9 h 07 min
